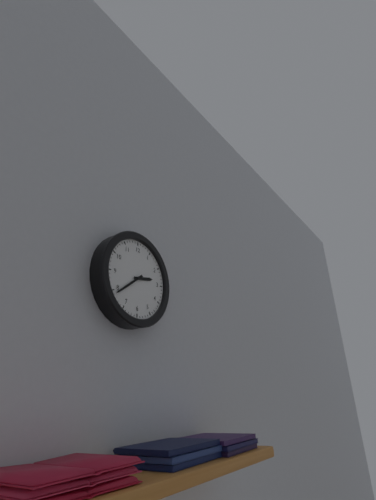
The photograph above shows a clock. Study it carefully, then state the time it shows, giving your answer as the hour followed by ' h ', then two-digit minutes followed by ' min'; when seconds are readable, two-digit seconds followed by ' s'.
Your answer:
2 h 39 min
